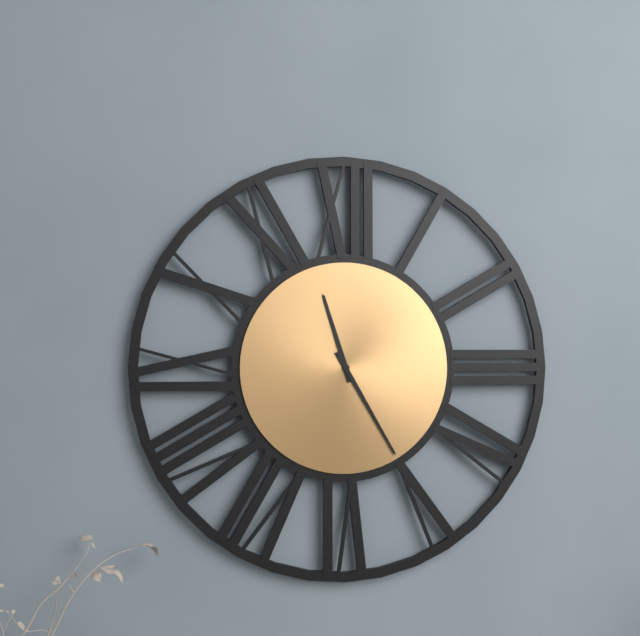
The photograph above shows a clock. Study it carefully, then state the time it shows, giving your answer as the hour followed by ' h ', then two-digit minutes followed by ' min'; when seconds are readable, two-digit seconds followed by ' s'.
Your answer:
11 h 25 min
